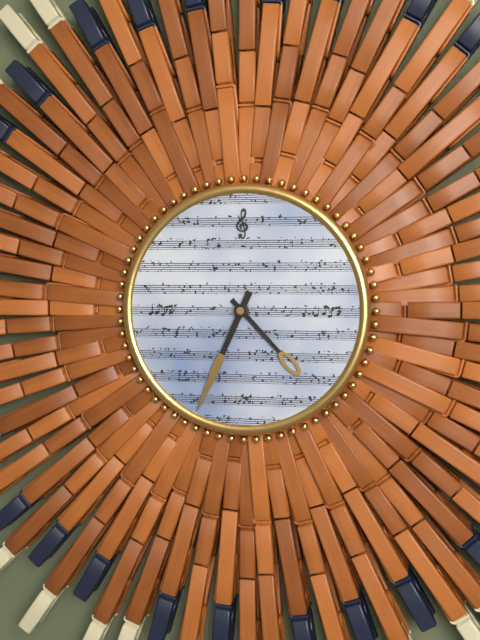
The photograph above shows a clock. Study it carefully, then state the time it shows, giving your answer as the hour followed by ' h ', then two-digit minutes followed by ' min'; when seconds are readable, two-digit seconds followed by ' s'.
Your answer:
4 h 34 min
